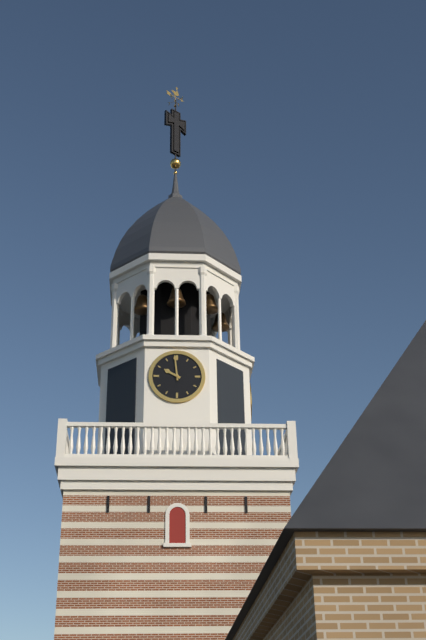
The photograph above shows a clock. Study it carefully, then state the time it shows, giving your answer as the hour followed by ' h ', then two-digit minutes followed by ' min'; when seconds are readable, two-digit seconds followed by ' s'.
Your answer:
9 h 59 min
